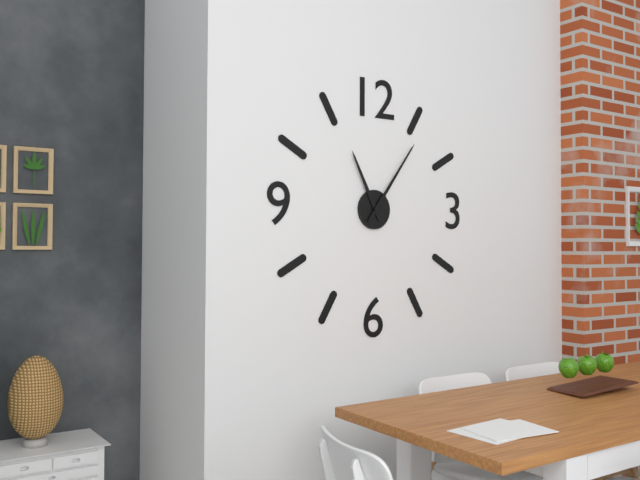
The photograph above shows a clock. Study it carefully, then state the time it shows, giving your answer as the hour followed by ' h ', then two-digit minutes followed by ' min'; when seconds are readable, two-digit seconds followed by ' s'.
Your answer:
11 h 06 min
